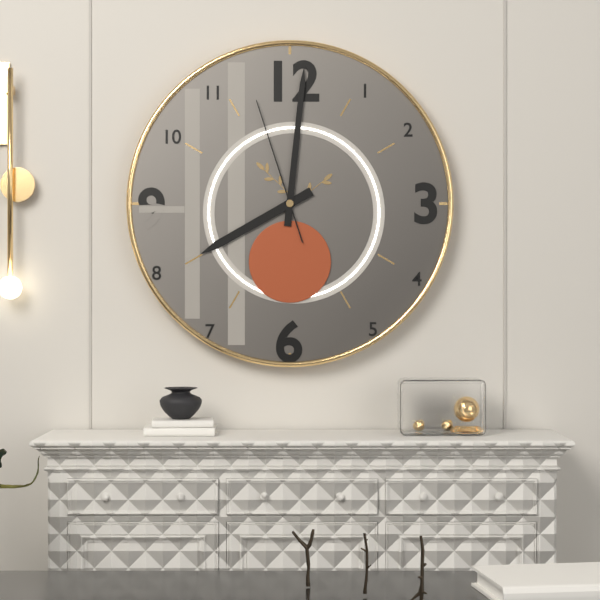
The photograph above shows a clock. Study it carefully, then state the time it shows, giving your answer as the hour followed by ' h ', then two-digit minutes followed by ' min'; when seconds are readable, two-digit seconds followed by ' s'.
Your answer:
8 h 01 min 57 s
